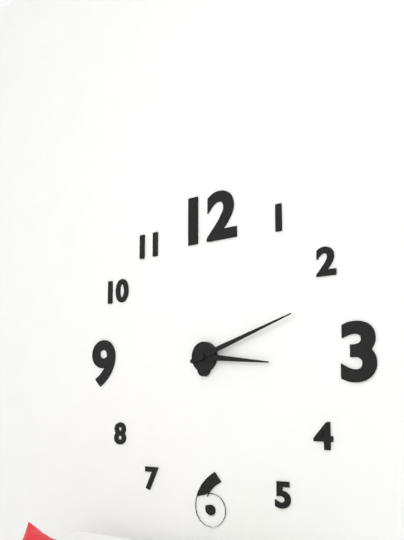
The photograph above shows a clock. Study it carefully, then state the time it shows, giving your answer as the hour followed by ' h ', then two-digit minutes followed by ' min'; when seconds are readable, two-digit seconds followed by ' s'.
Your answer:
3 h 12 min
